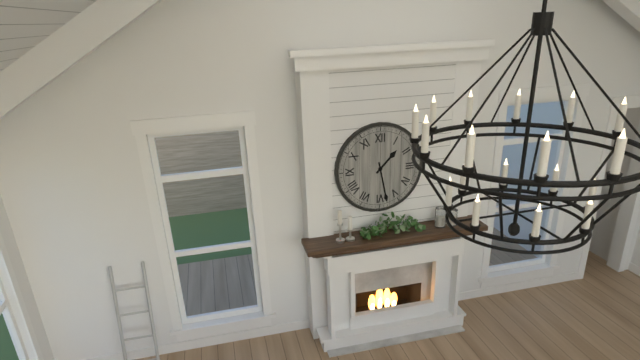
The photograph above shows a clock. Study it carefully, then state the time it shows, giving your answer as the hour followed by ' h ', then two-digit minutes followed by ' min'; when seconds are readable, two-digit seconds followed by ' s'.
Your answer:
1 h 28 min
